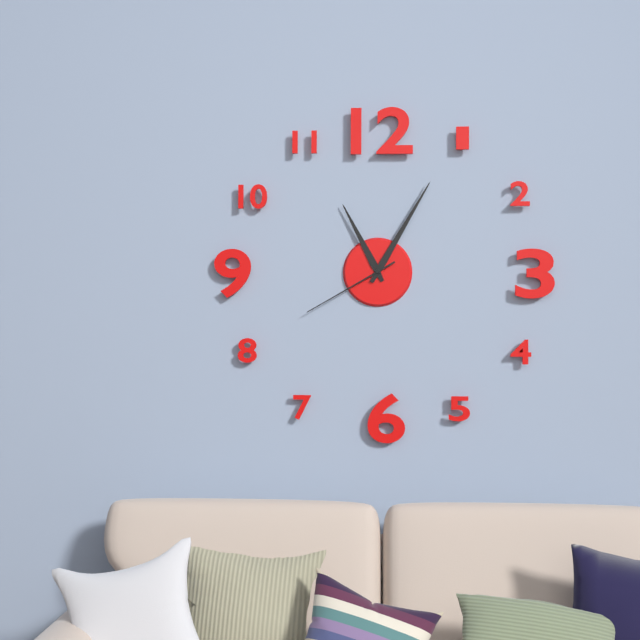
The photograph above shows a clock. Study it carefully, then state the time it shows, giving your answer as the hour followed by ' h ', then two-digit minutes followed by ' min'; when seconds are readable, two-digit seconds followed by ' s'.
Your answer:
11 h 05 min 40 s
